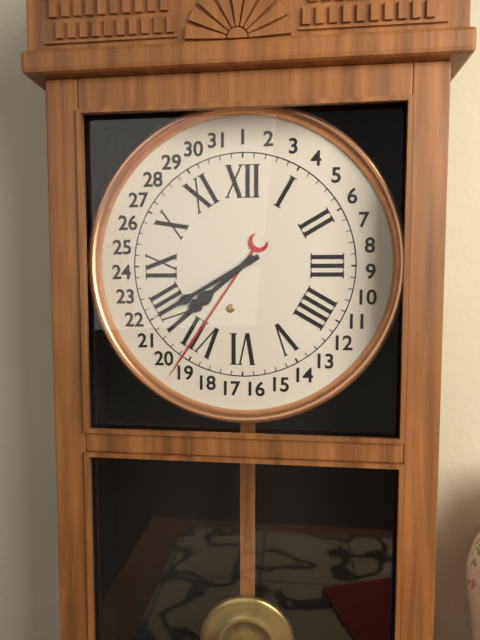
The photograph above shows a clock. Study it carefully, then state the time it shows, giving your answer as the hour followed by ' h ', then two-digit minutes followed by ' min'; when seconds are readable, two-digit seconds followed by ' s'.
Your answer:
7 h 40 min
